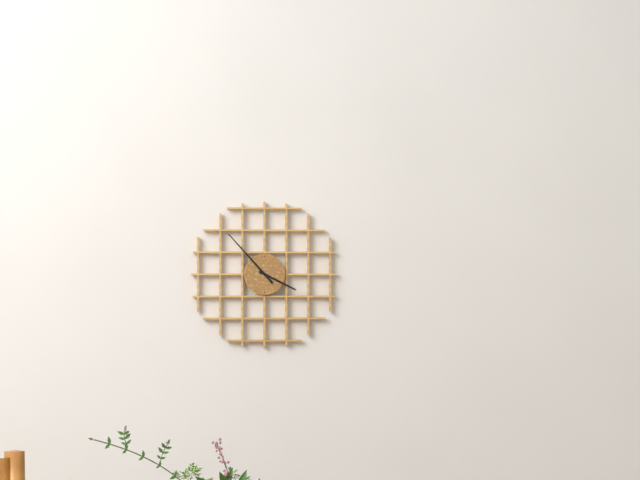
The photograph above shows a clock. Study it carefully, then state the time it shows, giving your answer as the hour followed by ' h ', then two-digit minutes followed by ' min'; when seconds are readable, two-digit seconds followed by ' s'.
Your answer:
3 h 53 min
